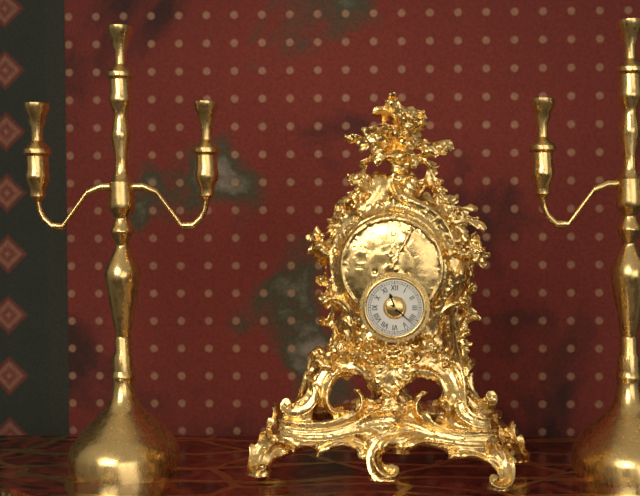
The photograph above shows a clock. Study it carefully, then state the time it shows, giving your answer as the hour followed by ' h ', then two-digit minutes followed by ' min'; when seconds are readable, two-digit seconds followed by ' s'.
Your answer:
11 h 22 min
